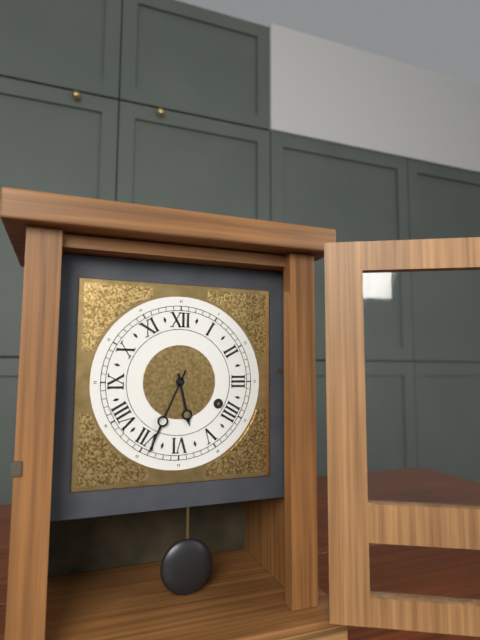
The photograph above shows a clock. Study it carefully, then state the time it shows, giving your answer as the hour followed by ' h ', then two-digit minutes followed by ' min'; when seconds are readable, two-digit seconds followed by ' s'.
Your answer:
5 h 34 min
